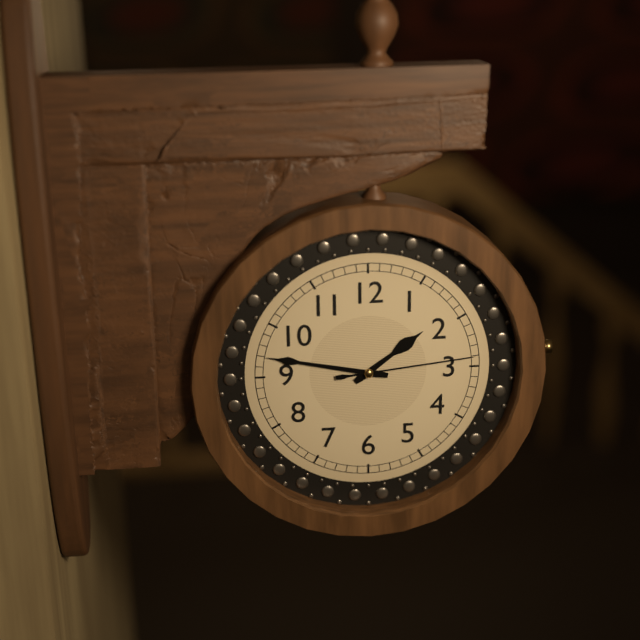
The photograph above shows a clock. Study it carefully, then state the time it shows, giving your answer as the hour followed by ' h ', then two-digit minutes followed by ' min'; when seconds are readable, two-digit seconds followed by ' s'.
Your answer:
1 h 47 min 14 s
